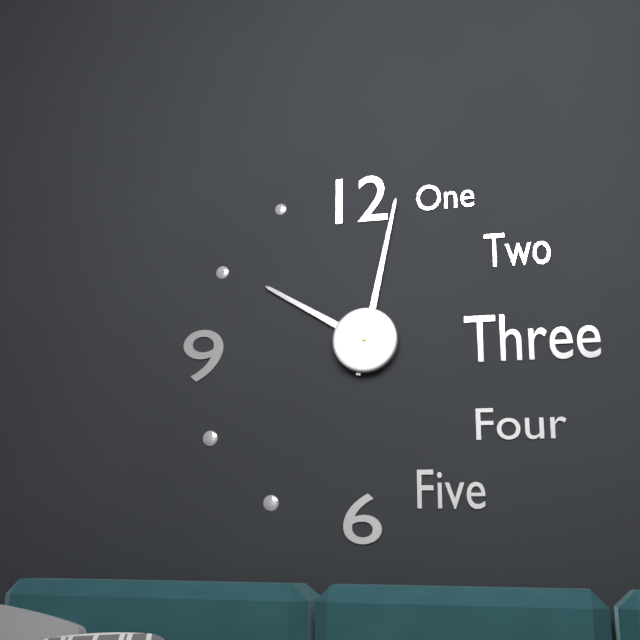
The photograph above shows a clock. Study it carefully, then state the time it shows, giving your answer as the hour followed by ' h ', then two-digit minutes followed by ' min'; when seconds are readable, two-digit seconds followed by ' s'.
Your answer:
10 h 02 min
